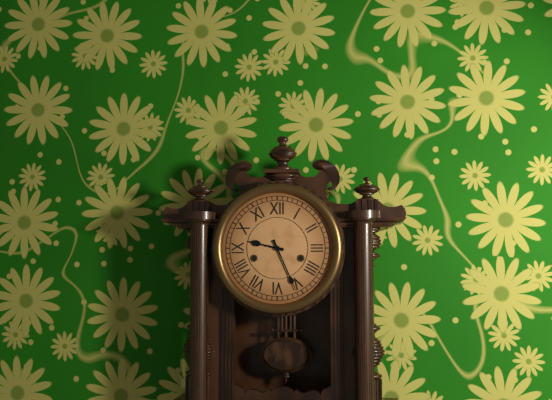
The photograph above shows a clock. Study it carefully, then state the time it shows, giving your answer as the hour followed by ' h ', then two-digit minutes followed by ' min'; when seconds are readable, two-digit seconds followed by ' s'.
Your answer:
9 h 26 min
